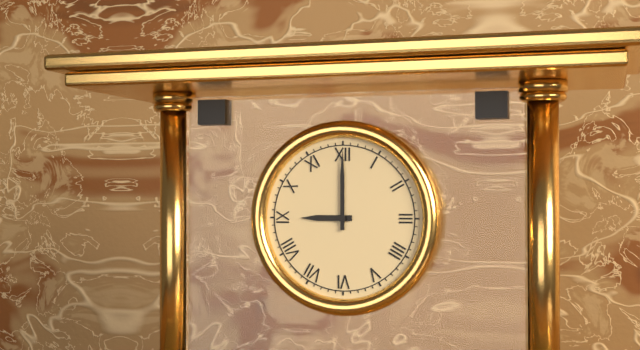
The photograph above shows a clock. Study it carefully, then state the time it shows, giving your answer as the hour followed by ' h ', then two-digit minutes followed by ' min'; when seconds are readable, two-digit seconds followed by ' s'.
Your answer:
9 h 00 min
